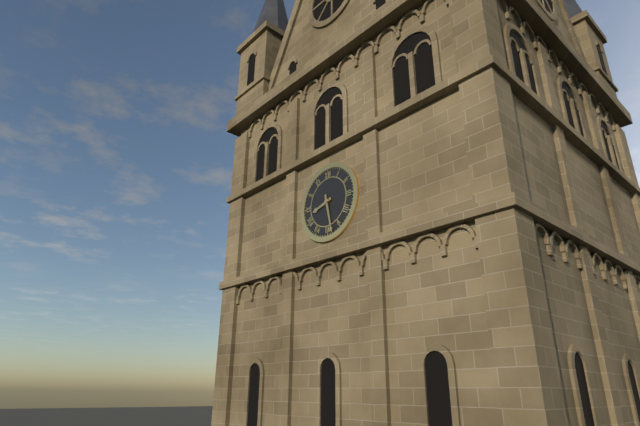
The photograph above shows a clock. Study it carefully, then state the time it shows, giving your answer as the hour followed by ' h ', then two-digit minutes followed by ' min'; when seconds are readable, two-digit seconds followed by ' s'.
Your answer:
8 h 28 min
